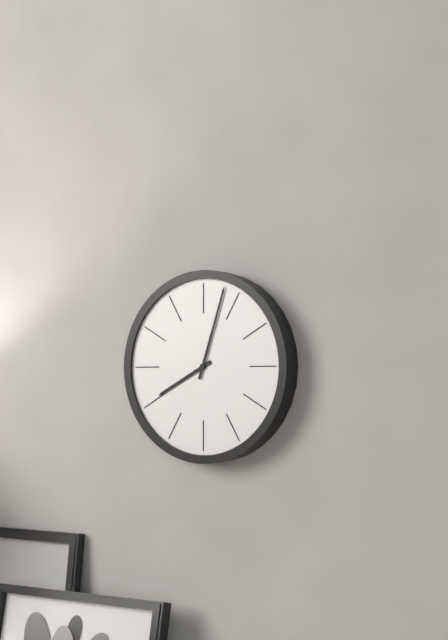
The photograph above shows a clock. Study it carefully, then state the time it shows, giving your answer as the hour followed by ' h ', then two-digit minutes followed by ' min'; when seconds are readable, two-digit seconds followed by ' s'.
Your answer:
8 h 03 min
